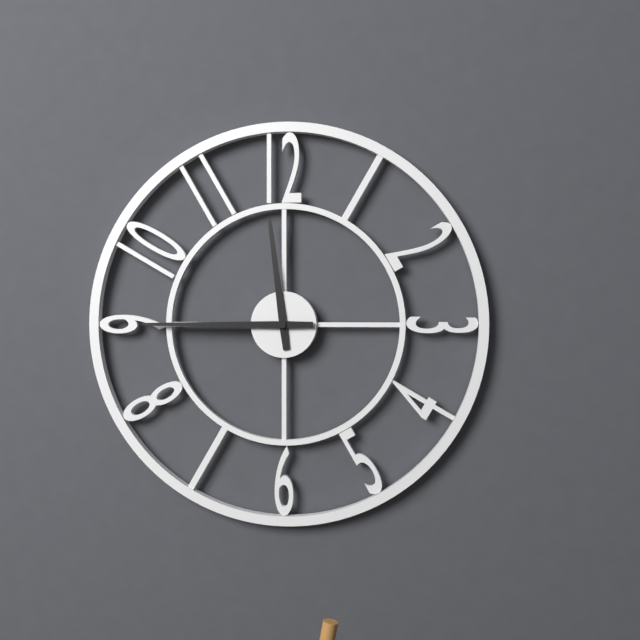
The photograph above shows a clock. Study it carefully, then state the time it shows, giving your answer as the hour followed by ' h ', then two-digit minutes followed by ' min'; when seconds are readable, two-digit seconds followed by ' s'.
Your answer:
11 h 45 min
